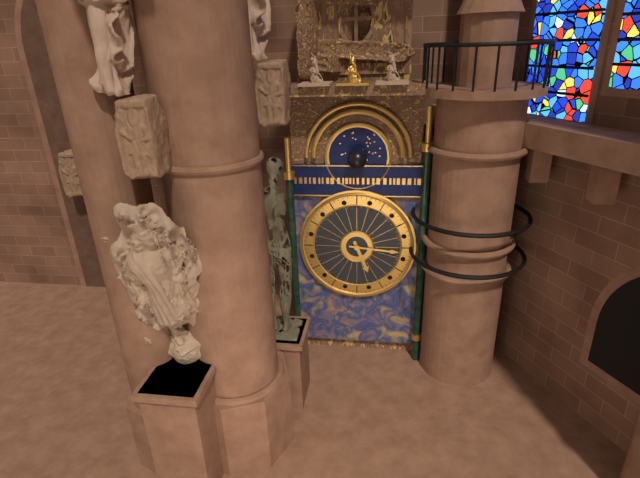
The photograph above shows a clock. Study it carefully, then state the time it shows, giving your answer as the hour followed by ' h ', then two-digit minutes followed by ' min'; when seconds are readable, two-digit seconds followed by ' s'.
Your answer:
5 h 16 min
